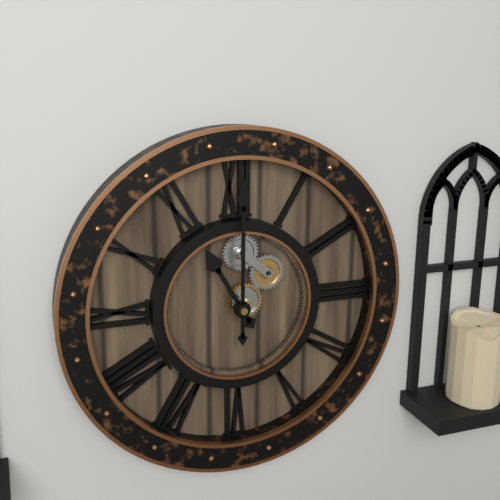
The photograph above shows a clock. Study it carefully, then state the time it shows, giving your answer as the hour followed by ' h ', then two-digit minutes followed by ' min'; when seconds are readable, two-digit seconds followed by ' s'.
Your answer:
11 h 00 min
